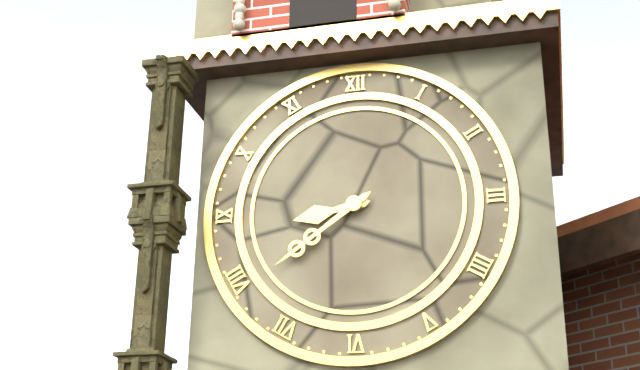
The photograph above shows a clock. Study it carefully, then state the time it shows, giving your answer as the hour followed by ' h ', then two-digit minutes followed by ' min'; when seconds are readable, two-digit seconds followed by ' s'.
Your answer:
8 h 39 min
